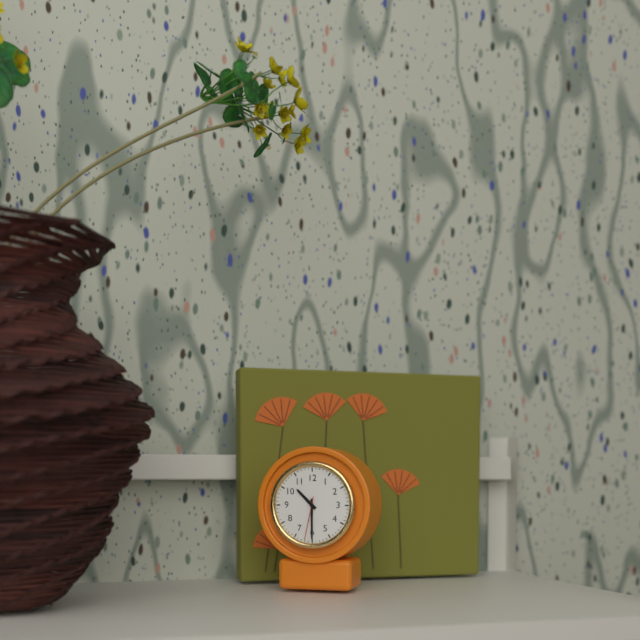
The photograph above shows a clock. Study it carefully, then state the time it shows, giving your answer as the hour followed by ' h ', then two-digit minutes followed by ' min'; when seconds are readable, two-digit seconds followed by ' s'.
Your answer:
10 h 30 min
